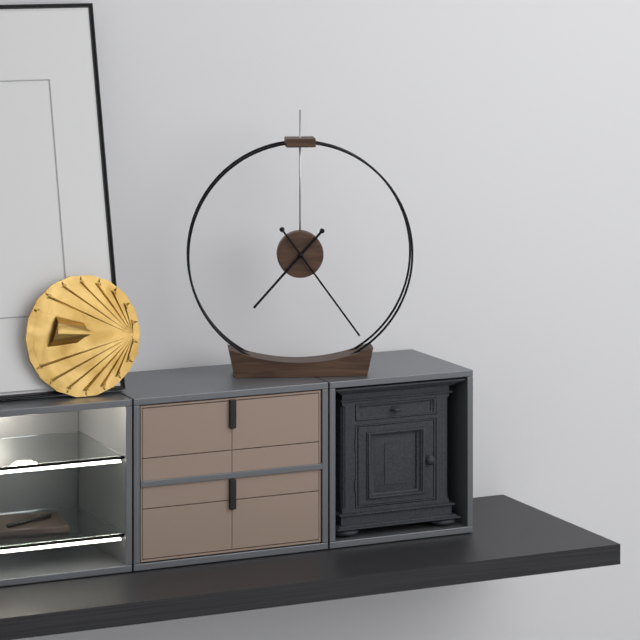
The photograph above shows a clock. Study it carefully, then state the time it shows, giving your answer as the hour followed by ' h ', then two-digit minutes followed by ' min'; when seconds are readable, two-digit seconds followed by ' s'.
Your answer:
7 h 24 min
